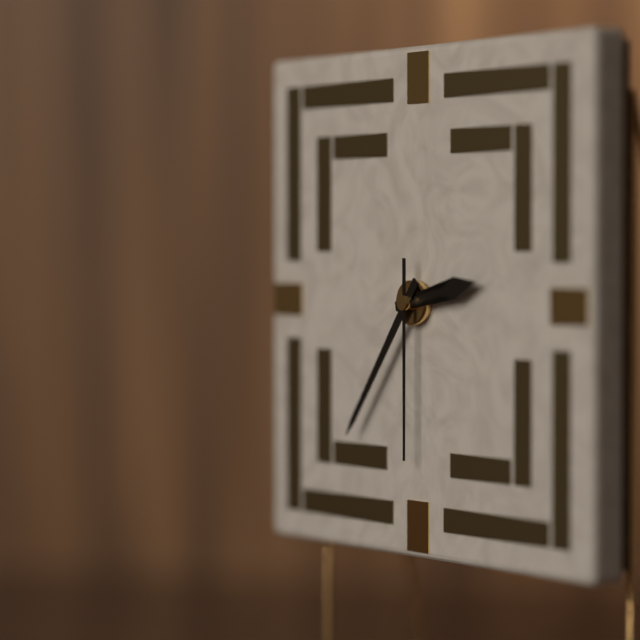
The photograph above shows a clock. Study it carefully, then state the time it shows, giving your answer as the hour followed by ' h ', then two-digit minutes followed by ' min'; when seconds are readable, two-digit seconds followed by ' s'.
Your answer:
2 h 36 min 30 s
